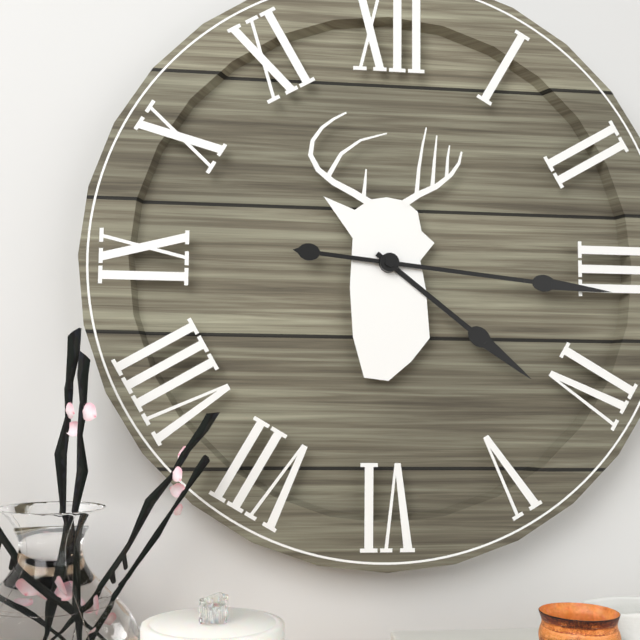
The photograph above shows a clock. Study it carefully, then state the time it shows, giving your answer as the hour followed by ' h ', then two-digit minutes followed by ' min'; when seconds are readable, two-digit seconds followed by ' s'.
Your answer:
4 h 16 min
